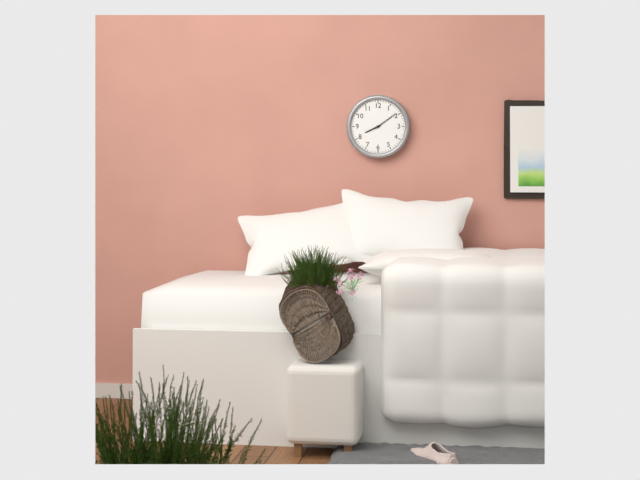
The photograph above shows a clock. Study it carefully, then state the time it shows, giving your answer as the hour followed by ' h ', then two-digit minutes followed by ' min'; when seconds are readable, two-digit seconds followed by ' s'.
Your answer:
8 h 09 min
